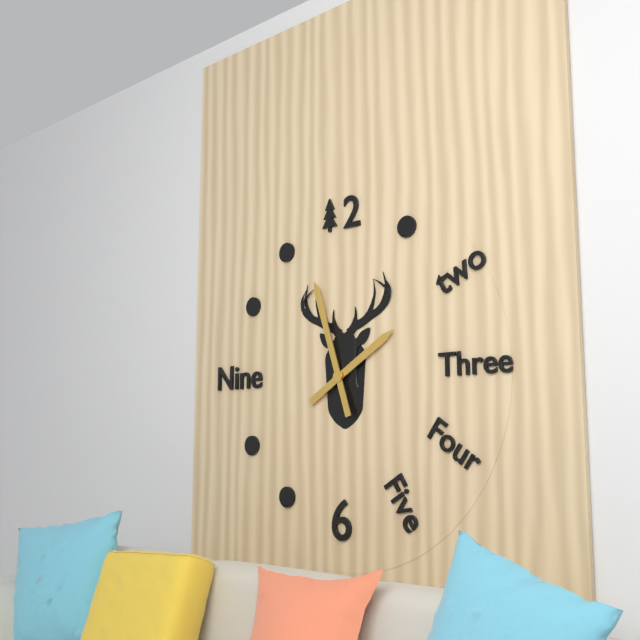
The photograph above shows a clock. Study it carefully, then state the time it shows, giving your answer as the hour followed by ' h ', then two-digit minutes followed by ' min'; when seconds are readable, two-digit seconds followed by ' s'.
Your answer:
1 h 57 min
